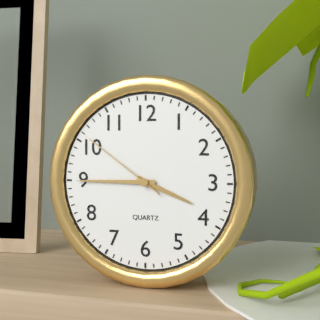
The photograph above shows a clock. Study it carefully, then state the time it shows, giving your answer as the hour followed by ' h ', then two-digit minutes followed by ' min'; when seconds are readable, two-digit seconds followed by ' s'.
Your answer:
3 h 45 min 51 s
